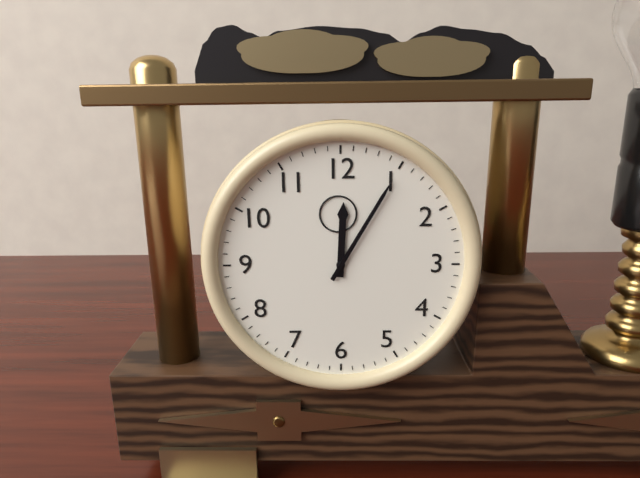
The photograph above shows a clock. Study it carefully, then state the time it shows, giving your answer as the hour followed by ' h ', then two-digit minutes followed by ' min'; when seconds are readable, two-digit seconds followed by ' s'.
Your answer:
12 h 05 min
